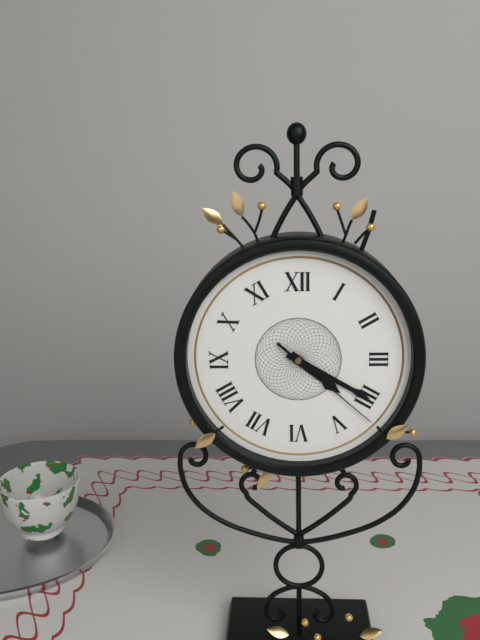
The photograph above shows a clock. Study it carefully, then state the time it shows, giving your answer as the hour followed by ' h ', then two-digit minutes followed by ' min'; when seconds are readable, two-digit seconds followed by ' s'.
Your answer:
4 h 20 min 22 s
